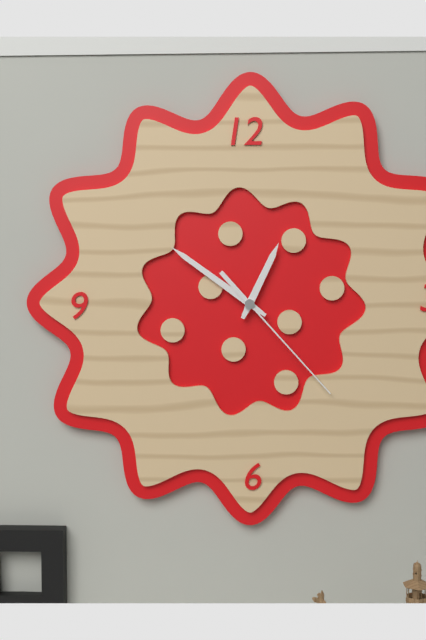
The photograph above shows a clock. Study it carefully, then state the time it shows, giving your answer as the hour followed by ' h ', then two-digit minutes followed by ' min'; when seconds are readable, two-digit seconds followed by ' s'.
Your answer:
12 h 51 min 23 s
